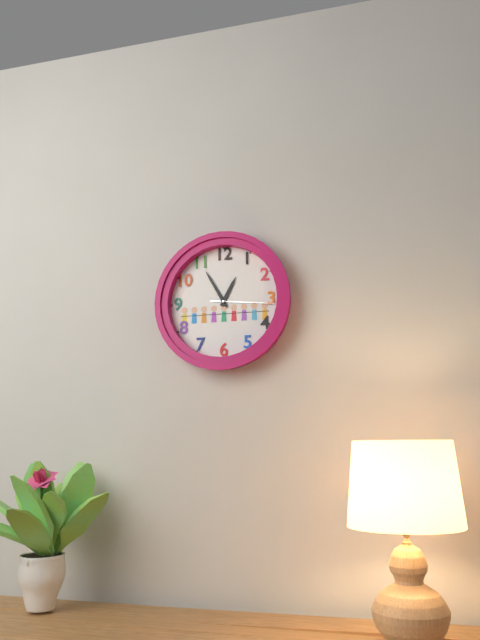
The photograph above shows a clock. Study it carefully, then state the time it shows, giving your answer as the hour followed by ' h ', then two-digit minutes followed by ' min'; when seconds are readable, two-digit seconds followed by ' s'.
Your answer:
12 h 55 min 16 s
